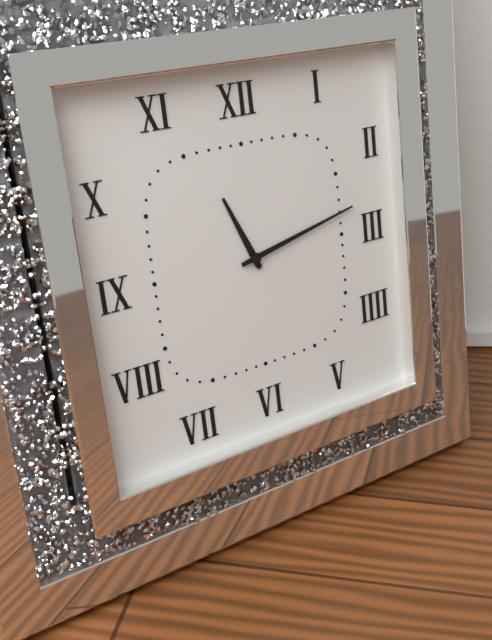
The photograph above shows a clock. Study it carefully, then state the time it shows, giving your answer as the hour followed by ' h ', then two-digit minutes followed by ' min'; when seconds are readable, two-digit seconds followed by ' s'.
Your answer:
11 h 13 min
